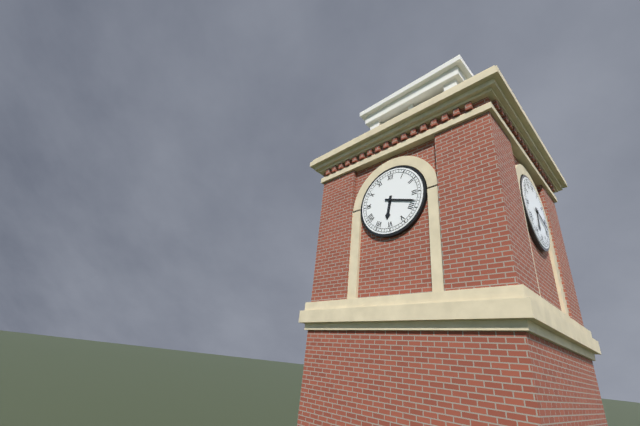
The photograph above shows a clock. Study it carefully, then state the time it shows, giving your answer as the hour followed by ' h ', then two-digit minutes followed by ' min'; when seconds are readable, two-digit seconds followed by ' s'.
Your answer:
6 h 18 min
